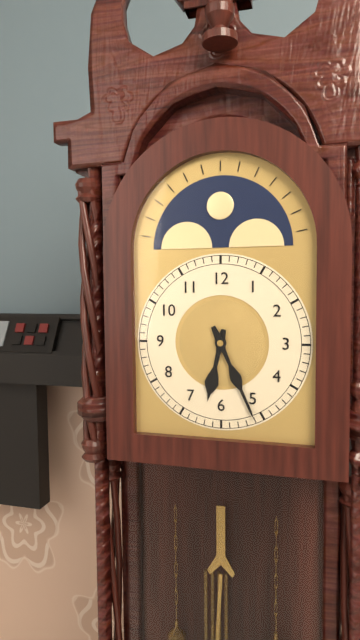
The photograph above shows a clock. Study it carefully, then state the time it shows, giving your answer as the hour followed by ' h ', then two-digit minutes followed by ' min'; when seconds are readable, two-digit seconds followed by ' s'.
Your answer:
6 h 26 min
